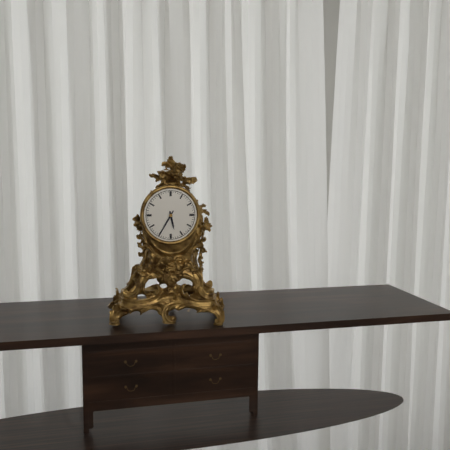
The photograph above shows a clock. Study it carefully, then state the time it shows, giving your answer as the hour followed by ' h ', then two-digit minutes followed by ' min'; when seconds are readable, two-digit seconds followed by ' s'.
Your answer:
5 h 35 min
